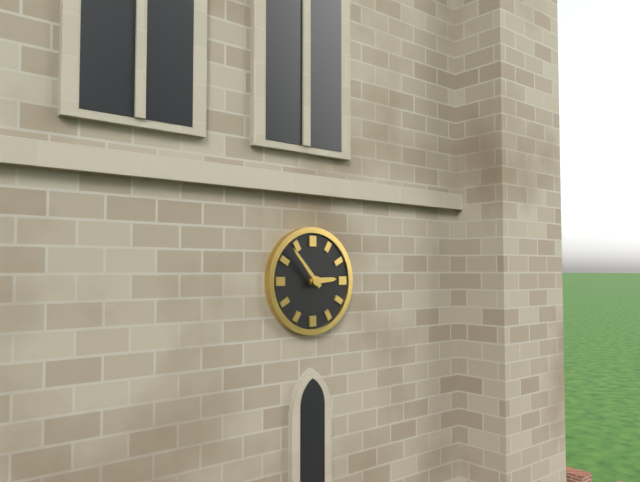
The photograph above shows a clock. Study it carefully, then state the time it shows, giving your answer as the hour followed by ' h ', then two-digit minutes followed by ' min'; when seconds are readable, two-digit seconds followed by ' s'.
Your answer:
2 h 53 min
